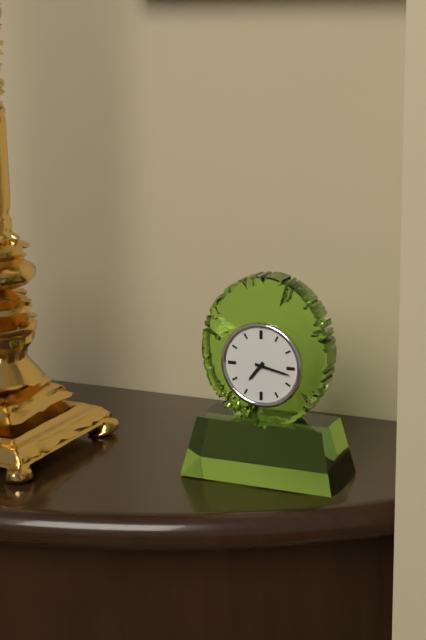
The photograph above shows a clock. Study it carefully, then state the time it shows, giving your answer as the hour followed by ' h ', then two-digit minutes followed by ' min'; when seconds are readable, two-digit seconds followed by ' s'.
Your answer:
7 h 17 min
